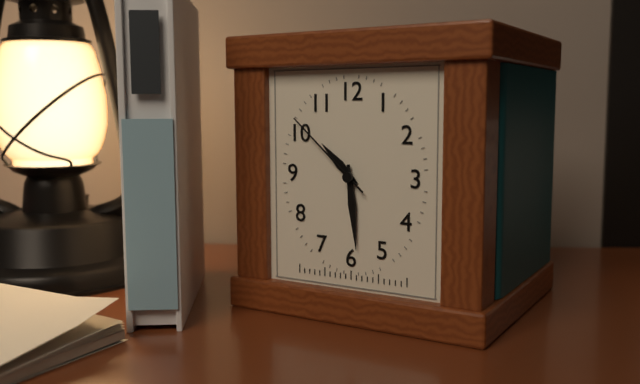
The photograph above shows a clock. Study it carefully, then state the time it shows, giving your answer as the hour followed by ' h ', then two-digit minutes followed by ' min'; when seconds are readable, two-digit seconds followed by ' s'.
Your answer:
10 h 29 min 52 s
